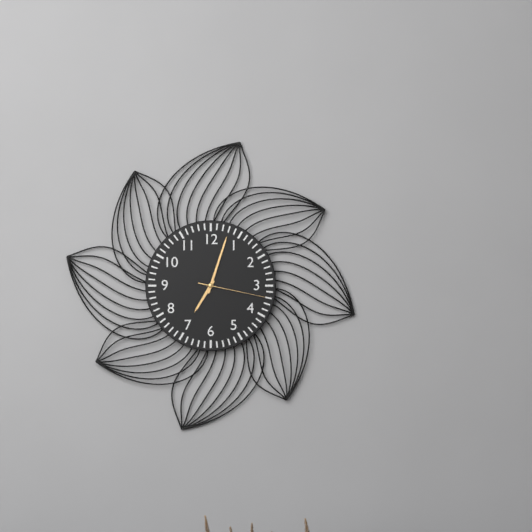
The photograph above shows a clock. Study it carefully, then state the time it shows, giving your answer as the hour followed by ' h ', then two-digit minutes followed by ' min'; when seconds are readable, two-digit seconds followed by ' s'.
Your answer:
7 h 03 min 17 s
